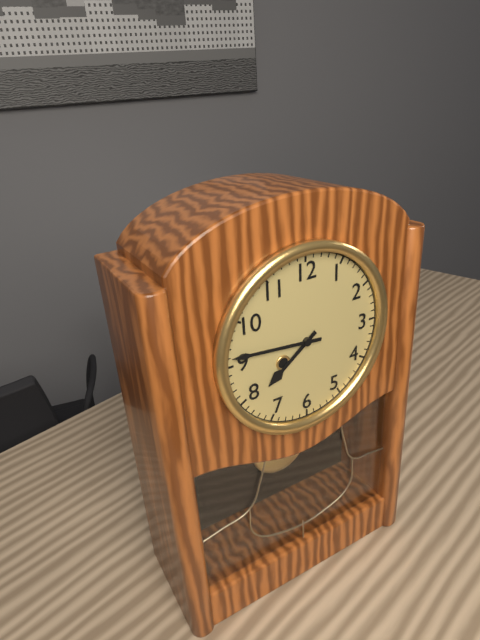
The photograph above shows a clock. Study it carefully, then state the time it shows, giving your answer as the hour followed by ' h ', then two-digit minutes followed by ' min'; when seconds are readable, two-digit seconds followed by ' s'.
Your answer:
7 h 46 min
